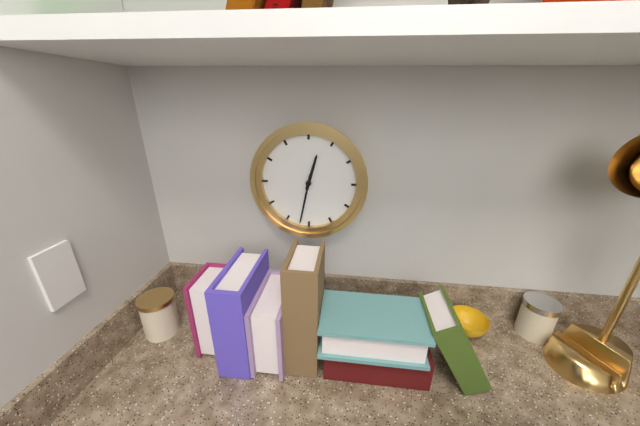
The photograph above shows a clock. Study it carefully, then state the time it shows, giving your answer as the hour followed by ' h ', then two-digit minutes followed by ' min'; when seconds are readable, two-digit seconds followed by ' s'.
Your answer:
12 h 32 min
